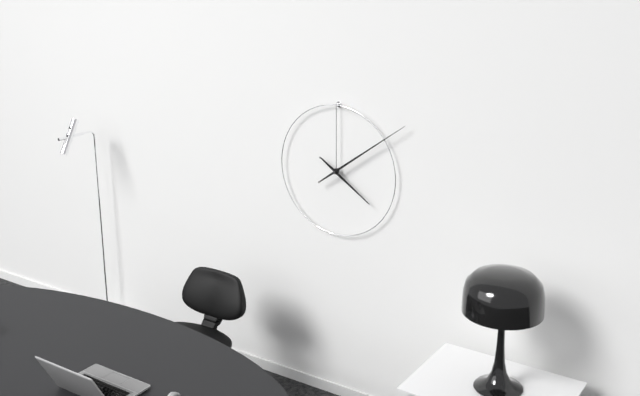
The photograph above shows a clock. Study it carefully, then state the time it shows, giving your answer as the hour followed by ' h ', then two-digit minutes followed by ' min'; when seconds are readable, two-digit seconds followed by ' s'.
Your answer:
4 h 09 min
